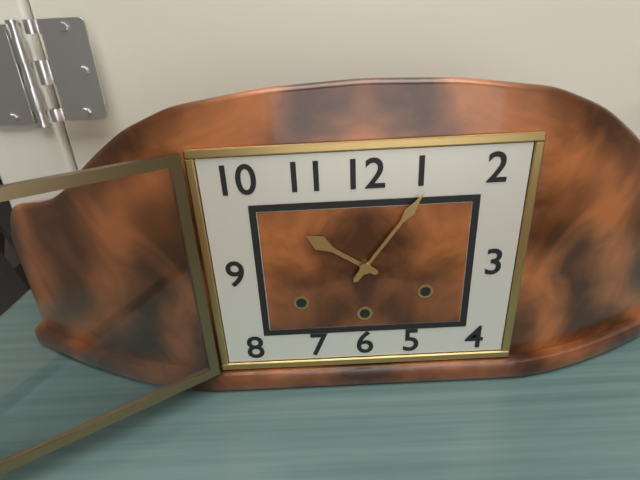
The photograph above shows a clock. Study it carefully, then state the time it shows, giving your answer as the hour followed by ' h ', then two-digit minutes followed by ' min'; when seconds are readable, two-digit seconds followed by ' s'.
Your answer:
10 h 06 min
